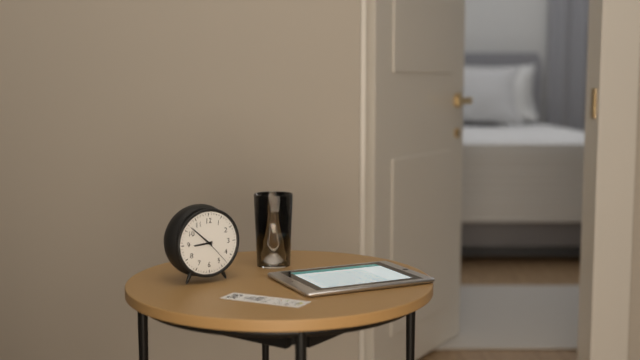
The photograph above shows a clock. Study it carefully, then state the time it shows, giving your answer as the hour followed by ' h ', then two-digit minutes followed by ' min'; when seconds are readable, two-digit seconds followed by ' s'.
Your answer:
8 h 52 min
